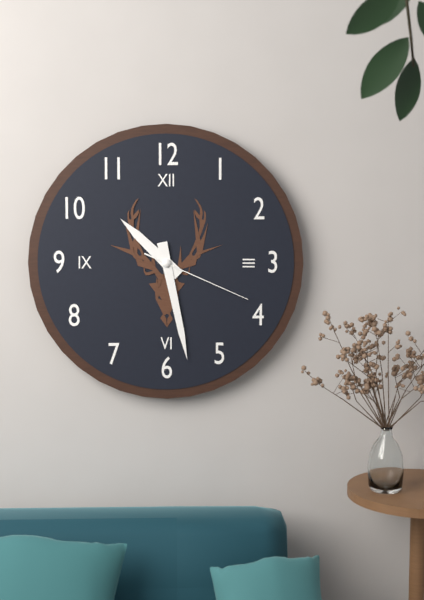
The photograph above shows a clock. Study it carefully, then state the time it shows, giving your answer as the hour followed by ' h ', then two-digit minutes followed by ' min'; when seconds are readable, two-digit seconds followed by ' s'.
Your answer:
10 h 28 min 19 s
